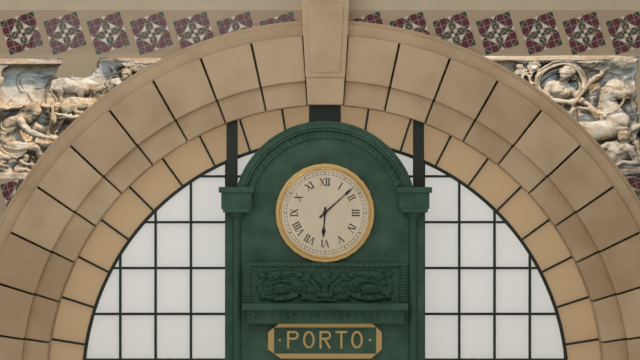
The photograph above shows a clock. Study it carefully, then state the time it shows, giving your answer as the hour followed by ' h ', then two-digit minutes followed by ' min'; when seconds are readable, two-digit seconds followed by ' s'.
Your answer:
6 h 08 min
